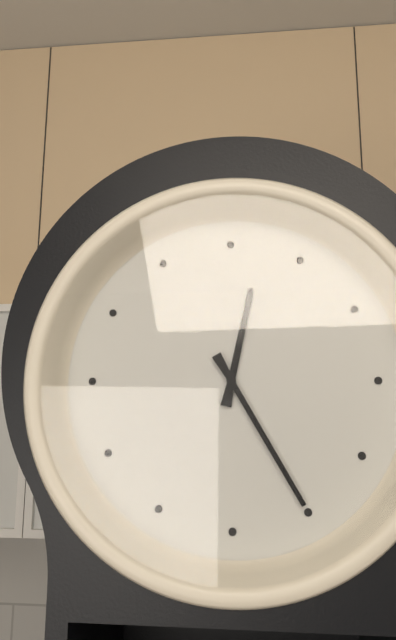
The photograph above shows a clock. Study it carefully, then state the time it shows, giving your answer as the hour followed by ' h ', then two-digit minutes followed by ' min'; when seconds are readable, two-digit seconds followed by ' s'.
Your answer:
12 h 25 min
